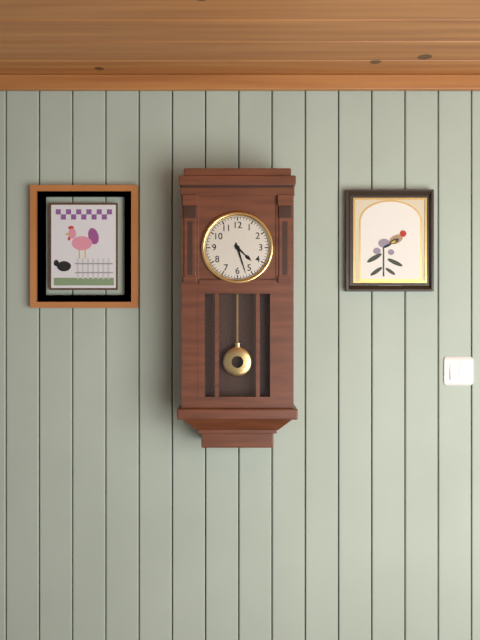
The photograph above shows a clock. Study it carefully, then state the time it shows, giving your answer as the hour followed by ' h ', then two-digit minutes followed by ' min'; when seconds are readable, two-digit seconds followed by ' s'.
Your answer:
4 h 27 min
